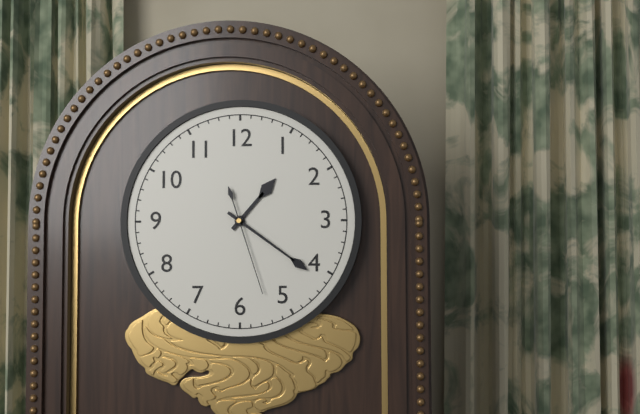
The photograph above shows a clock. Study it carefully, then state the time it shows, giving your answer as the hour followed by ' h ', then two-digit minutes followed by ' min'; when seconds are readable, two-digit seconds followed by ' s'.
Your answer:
1 h 21 min 27 s
